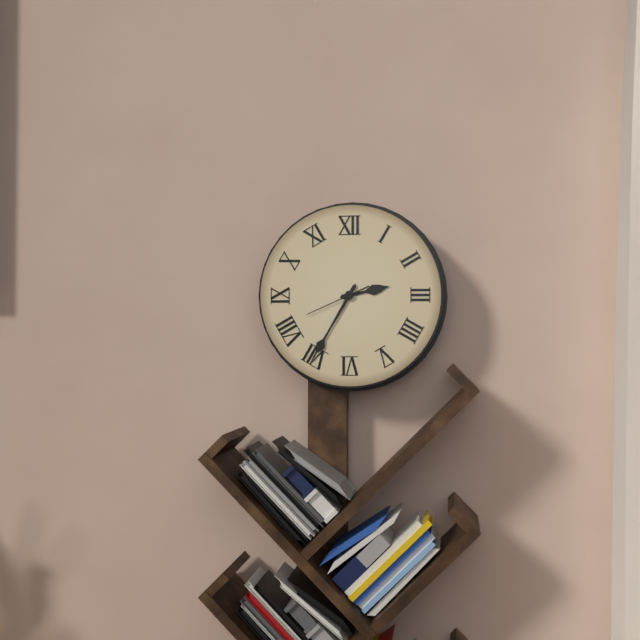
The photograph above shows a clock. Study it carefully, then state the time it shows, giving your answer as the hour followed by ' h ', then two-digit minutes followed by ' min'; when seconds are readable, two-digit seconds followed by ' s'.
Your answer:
2 h 35 min 41 s
